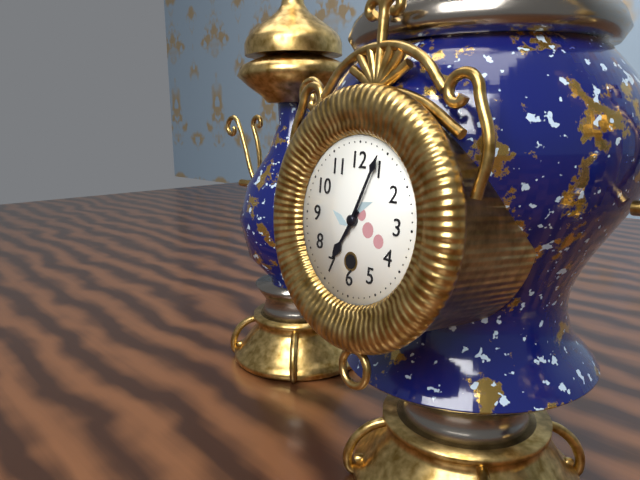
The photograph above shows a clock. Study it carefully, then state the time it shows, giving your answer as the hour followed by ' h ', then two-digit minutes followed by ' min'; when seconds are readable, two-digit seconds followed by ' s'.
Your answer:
7 h 04 min
